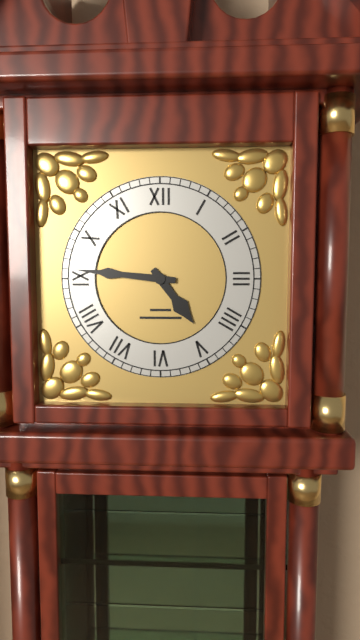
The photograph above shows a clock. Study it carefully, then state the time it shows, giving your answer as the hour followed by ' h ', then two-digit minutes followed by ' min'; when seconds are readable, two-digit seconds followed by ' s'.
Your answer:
4 h 46 min
